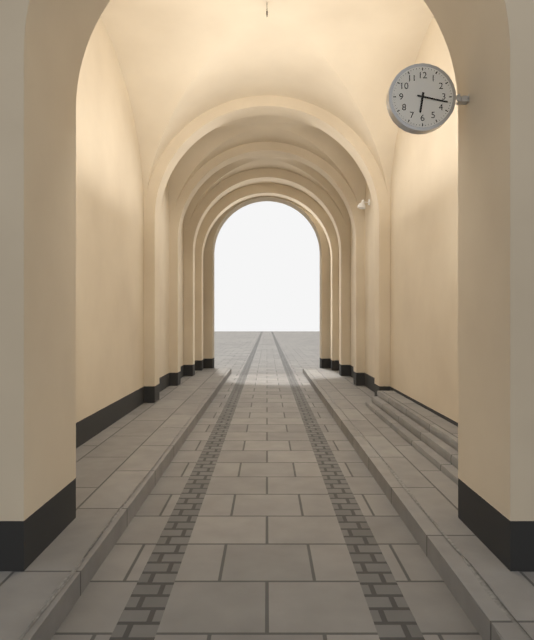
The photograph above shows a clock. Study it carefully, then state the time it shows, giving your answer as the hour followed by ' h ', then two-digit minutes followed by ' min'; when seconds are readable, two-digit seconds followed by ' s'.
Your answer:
6 h 17 min
